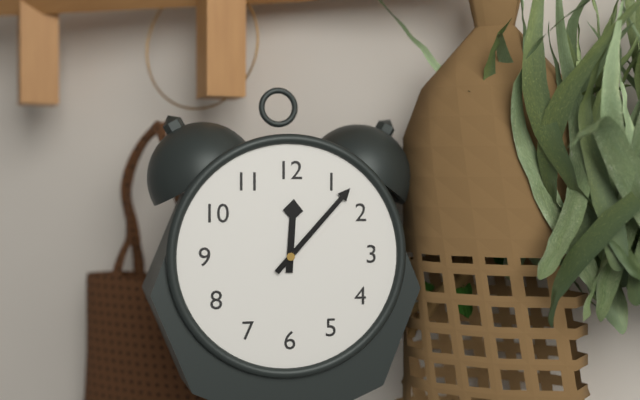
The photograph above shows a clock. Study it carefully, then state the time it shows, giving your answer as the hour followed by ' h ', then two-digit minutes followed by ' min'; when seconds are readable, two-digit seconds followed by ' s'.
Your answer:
12 h 07 min
